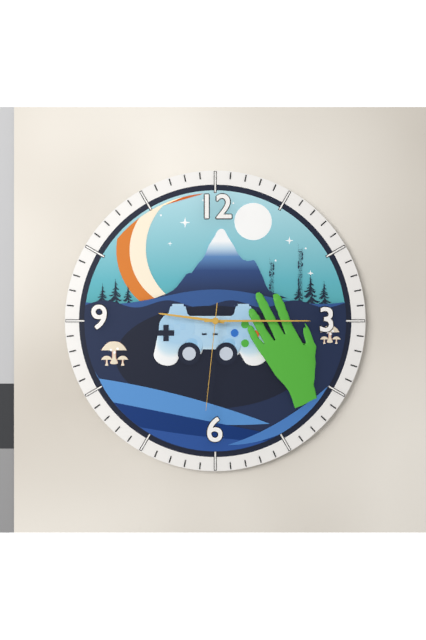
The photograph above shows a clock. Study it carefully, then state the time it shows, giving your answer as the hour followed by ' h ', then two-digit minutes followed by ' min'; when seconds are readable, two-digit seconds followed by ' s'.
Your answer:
9 h 15 min 31 s
